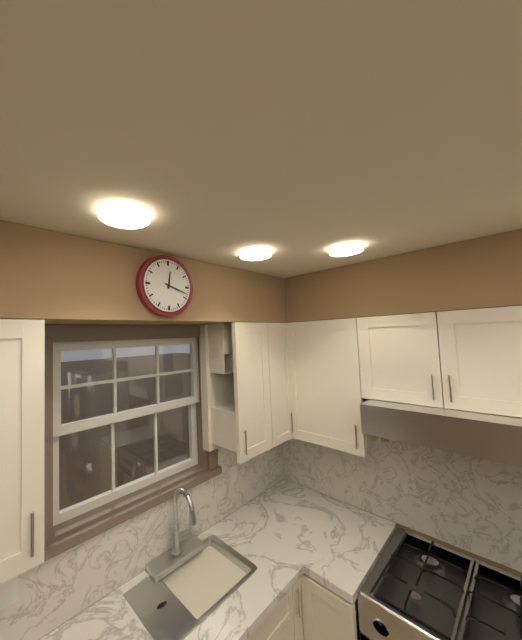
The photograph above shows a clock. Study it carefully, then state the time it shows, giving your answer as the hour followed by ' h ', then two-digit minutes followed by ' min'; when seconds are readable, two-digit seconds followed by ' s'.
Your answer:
12 h 18 min
